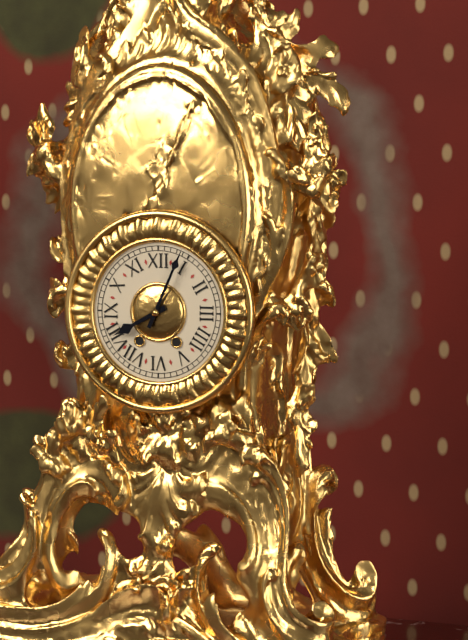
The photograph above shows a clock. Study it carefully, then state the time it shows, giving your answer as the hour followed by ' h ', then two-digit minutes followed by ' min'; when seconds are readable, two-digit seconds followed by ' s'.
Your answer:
8 h 04 min
